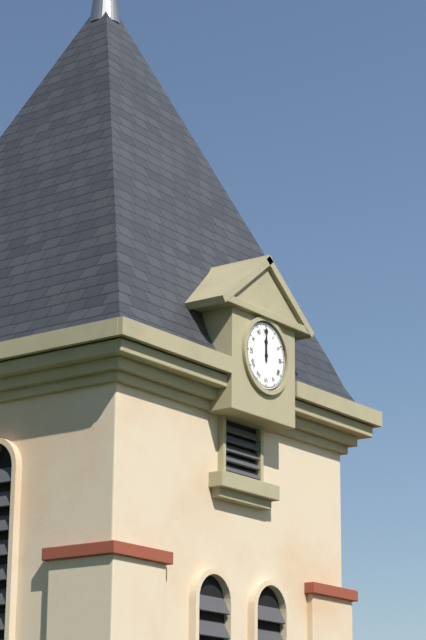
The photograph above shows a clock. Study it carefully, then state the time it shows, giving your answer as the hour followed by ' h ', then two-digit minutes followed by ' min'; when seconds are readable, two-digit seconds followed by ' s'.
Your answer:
12 h 00 min
